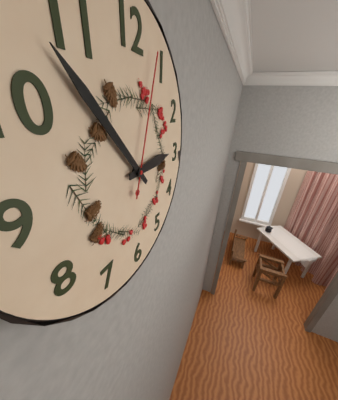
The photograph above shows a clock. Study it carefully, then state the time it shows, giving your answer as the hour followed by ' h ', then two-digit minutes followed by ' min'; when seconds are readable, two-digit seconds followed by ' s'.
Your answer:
2 h 53 min 03 s
